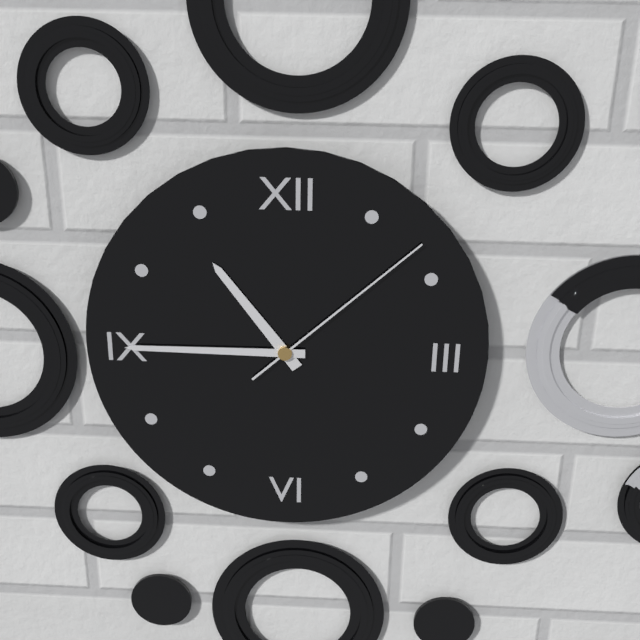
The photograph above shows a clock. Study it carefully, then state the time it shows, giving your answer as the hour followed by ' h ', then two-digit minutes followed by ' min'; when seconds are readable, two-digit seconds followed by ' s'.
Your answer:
10 h 45 min 08 s
